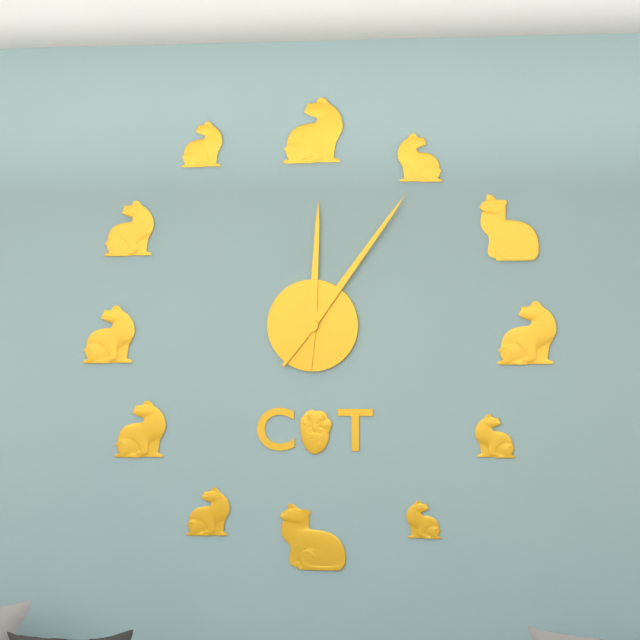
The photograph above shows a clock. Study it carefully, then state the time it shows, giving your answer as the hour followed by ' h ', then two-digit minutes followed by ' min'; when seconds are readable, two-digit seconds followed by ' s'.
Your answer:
12 h 06 min
